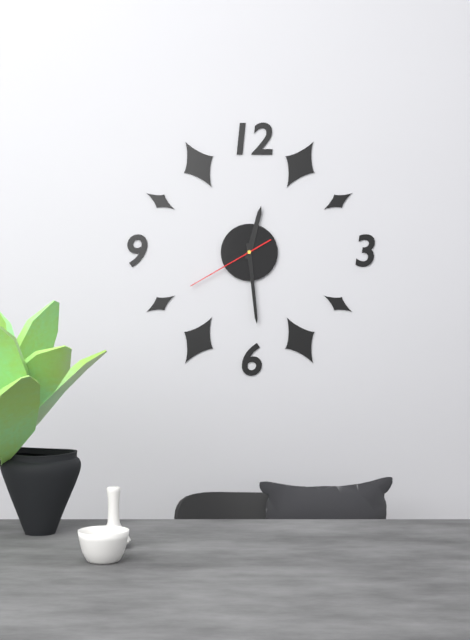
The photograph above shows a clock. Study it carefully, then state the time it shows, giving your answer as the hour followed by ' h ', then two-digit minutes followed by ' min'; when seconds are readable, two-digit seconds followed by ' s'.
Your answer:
12 h 29 min 40 s
